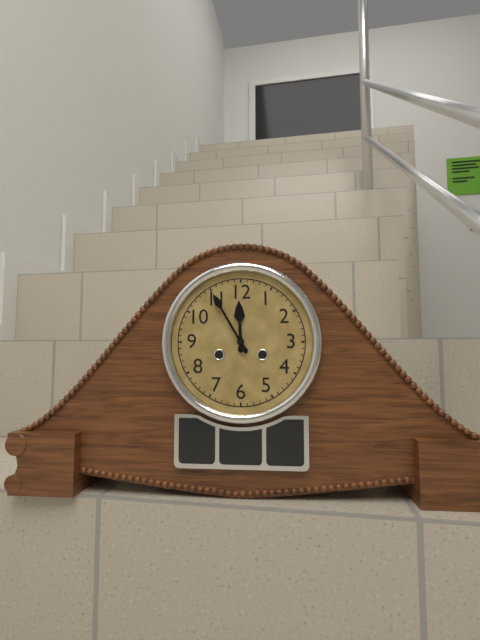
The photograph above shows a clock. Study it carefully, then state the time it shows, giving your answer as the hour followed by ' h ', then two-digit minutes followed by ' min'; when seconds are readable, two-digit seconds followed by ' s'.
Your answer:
11 h 55 min
